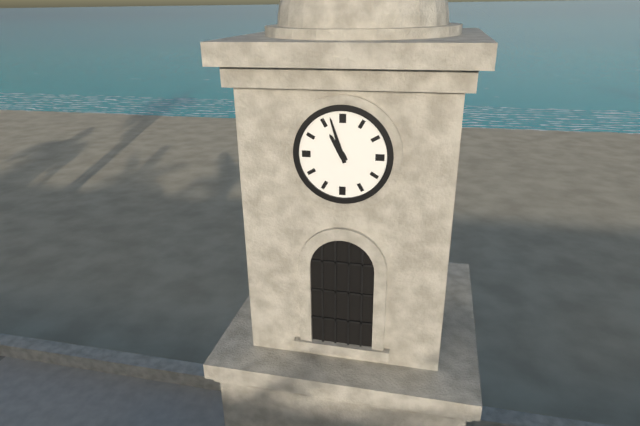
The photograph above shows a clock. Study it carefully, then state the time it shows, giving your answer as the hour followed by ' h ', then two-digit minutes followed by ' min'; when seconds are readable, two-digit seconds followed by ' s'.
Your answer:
10 h 57 min
